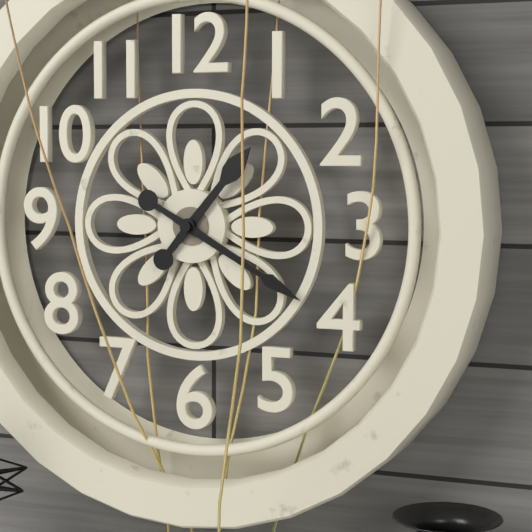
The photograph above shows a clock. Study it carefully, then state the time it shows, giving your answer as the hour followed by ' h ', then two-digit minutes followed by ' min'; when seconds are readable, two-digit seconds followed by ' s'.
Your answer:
1 h 20 min
